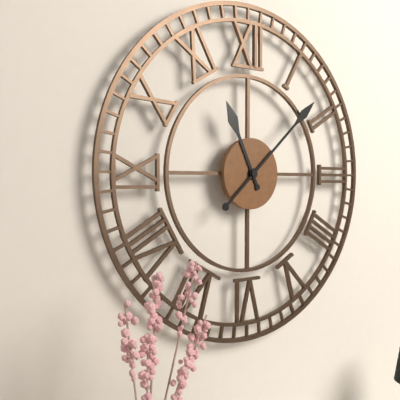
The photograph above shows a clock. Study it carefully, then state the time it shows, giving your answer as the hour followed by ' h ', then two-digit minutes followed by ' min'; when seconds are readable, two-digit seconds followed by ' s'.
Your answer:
11 h 08 min
